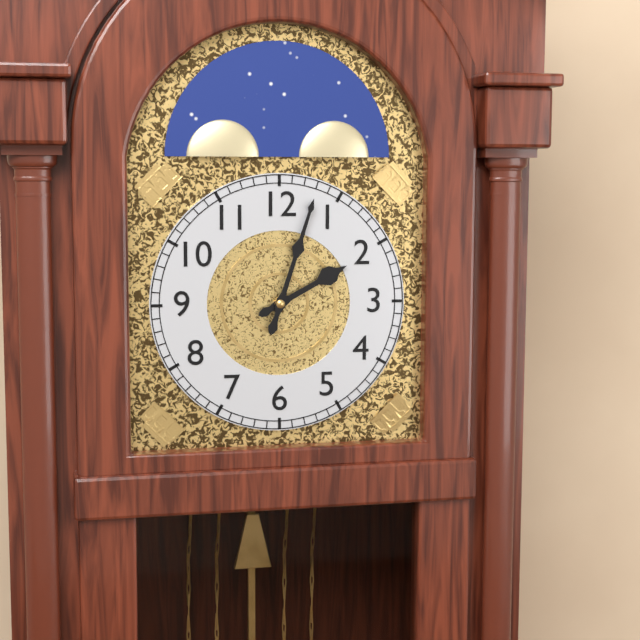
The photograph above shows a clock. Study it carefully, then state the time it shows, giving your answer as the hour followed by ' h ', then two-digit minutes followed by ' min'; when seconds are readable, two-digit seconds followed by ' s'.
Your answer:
2 h 03 min
